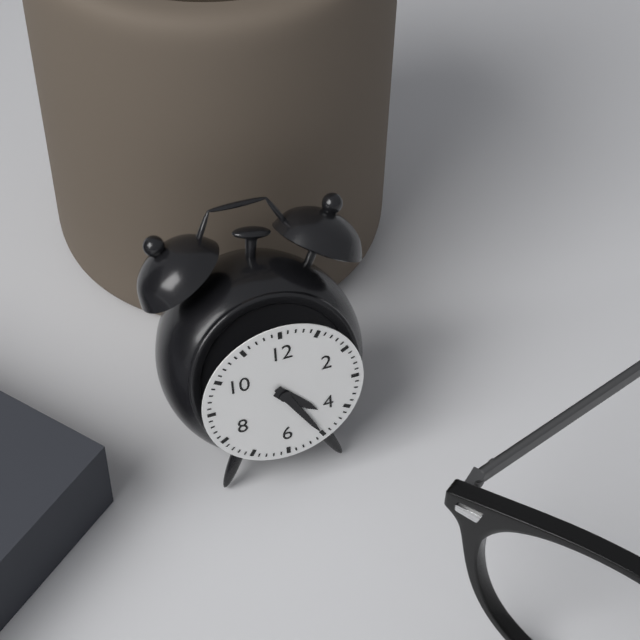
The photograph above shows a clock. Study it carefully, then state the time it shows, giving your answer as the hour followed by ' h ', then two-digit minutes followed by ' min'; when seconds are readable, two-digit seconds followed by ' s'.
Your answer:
4 h 25 min
